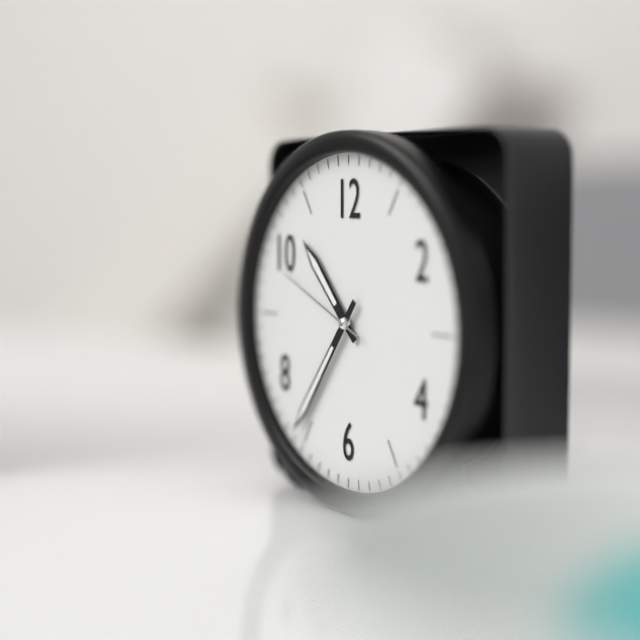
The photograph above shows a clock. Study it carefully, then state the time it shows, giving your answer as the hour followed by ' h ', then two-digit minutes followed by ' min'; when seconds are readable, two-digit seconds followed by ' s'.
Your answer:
10 h 36 min 49 s
